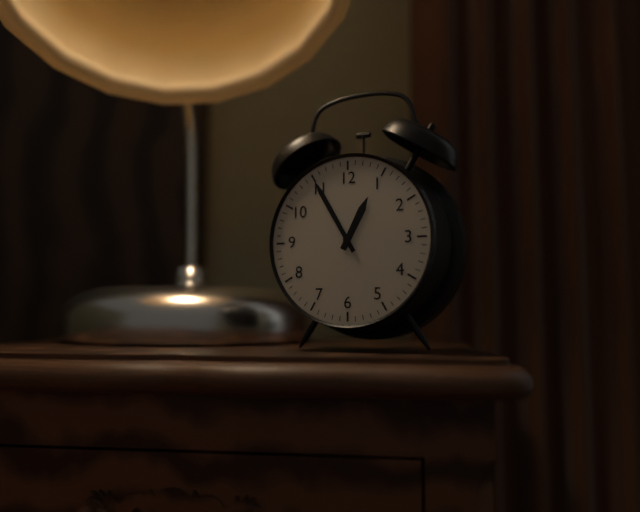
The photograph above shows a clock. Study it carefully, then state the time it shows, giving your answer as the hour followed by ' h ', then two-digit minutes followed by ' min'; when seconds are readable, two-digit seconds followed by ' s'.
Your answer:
12 h 55 min
